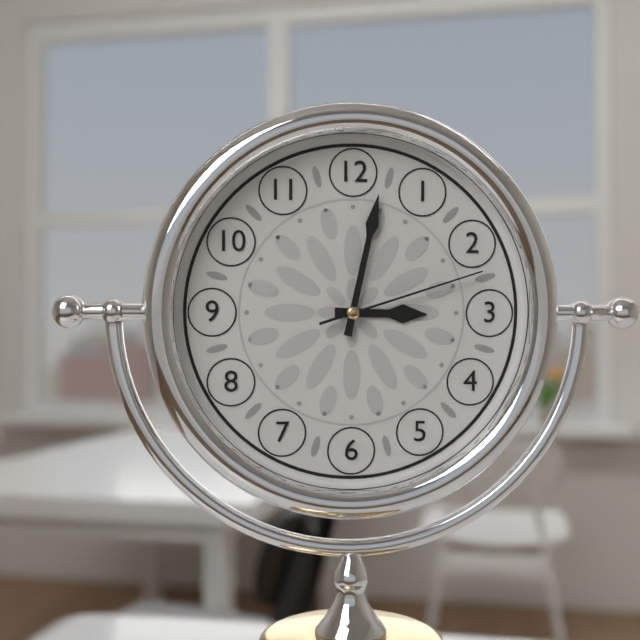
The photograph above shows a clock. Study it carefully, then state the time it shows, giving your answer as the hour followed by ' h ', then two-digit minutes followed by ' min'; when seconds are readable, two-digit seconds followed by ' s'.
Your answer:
3 h 02 min 12 s
